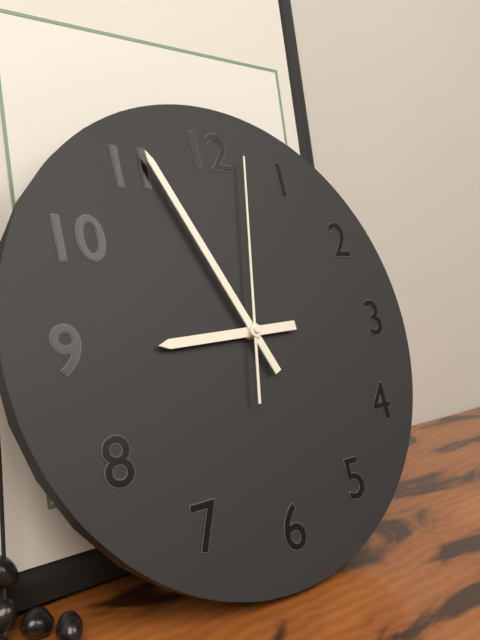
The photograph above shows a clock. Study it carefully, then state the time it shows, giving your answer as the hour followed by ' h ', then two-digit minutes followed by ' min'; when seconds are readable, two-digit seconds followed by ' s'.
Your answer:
8 h 56 min 02 s
